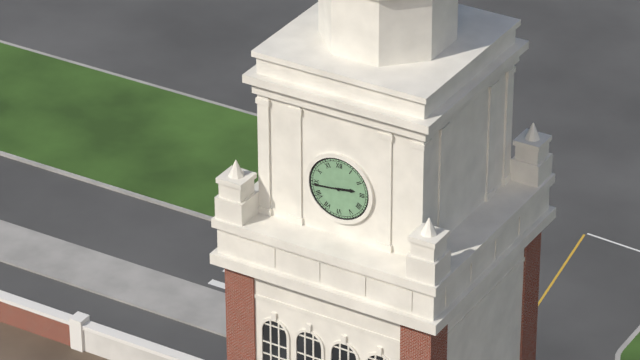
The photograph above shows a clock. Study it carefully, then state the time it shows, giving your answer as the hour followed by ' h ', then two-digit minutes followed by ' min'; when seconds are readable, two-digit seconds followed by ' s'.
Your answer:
2 h 44 min
